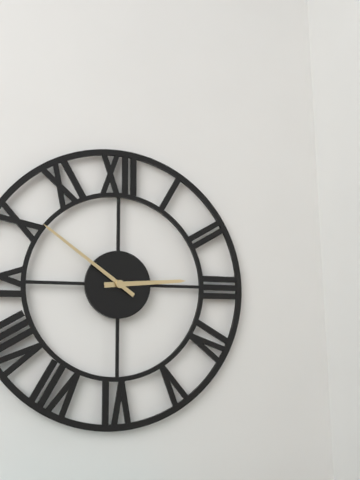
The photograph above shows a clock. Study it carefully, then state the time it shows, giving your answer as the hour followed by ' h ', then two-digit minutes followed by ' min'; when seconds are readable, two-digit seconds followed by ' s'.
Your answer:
2 h 51 min
